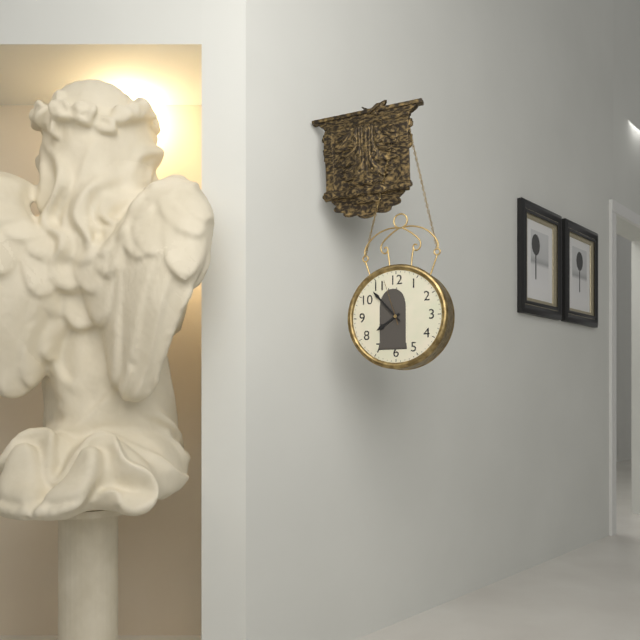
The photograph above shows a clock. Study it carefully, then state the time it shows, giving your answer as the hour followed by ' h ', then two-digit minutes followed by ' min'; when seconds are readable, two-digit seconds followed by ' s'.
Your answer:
7 h 53 min
